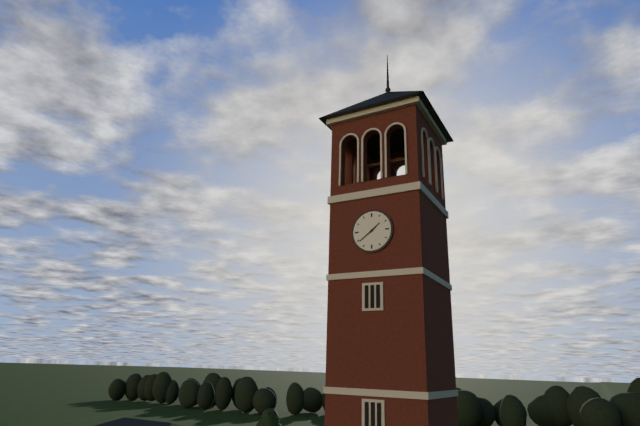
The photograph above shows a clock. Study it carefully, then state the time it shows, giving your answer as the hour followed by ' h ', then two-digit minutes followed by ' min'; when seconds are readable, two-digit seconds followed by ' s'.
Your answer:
1 h 39 min
